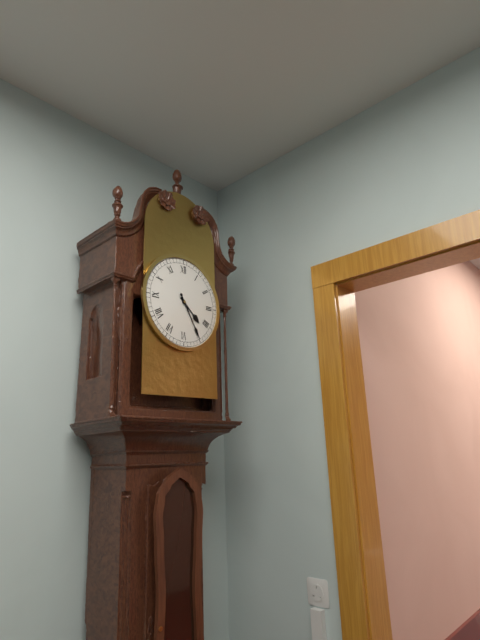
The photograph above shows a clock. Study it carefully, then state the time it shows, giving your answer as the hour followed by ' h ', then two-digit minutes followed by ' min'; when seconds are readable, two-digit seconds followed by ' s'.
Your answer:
4 h 25 min
